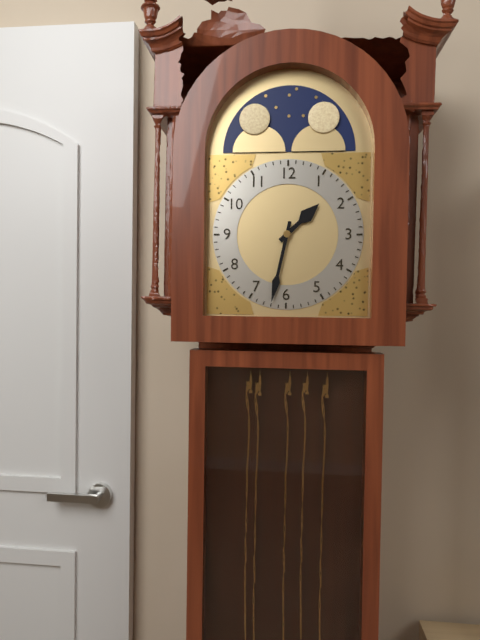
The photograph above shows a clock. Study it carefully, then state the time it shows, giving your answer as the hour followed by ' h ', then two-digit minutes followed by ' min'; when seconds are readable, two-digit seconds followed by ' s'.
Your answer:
1 h 32 min
